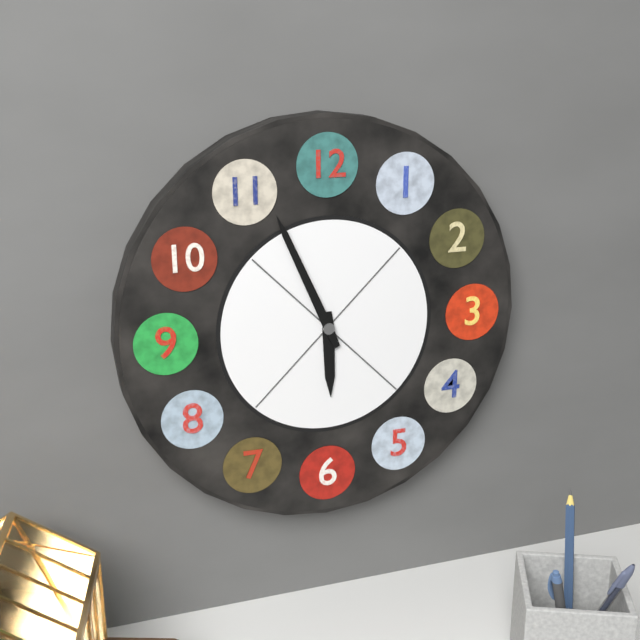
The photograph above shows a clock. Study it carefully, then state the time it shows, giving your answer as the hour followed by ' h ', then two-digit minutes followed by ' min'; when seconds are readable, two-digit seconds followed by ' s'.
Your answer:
5 h 56 min
